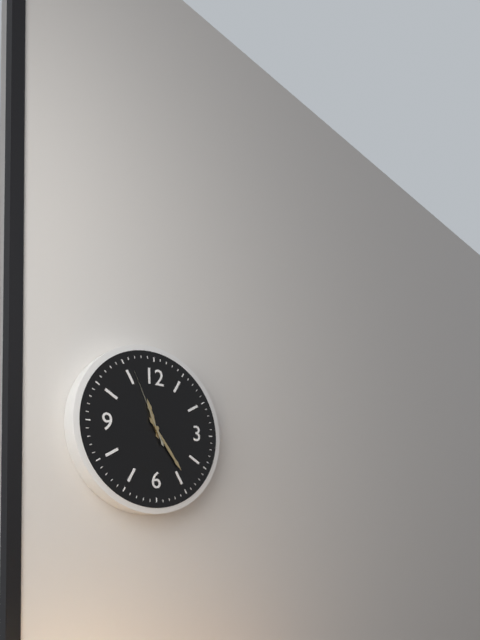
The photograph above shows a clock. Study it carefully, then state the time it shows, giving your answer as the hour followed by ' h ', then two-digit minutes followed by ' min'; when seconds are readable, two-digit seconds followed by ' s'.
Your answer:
11 h 24 min 56 s
